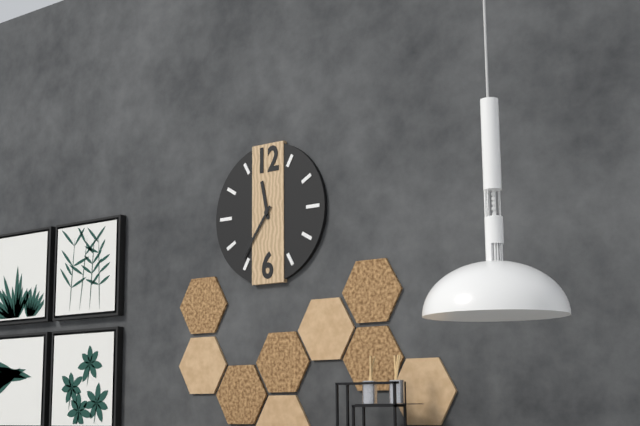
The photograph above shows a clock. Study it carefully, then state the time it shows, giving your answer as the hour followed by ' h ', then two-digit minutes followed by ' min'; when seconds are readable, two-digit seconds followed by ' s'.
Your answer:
11 h 36 min
